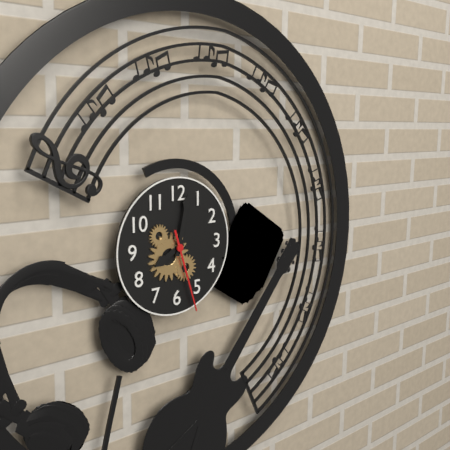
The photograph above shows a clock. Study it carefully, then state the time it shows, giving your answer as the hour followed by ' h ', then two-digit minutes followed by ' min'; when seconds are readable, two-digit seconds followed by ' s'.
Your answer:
8 h 02 min 27 s
